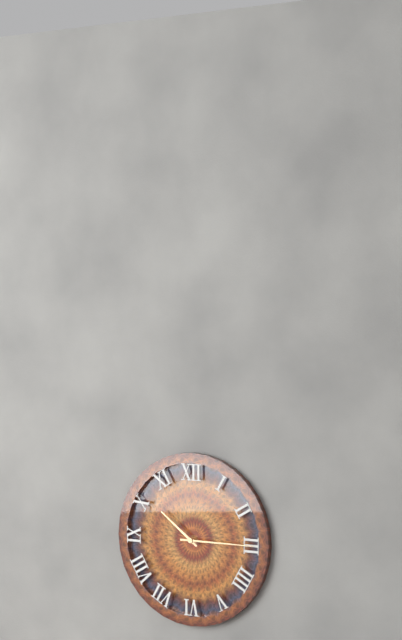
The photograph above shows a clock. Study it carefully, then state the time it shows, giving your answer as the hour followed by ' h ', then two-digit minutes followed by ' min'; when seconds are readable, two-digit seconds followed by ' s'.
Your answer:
10 h 15 min
